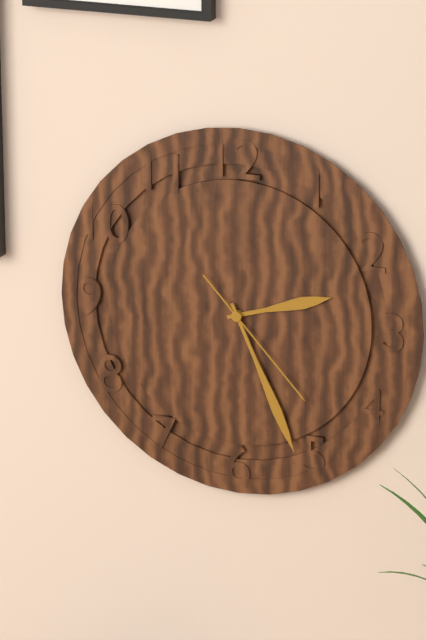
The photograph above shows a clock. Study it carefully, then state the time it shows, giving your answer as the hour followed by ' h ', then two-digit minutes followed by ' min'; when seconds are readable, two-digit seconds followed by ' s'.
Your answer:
2 h 26 min 23 s
